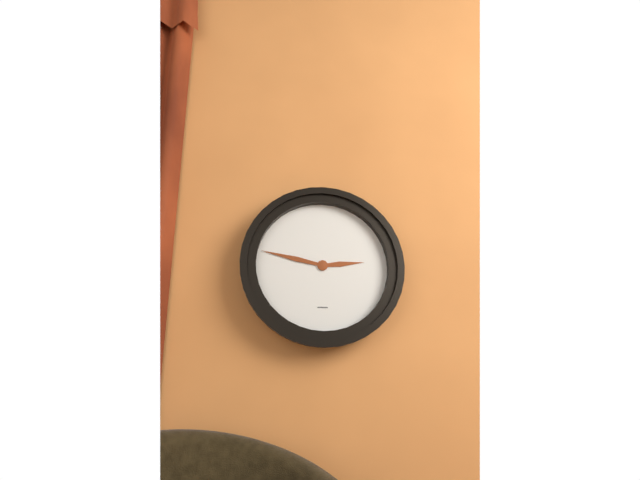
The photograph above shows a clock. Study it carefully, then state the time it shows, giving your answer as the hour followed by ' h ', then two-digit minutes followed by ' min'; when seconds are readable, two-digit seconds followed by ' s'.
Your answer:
2 h 47 min
